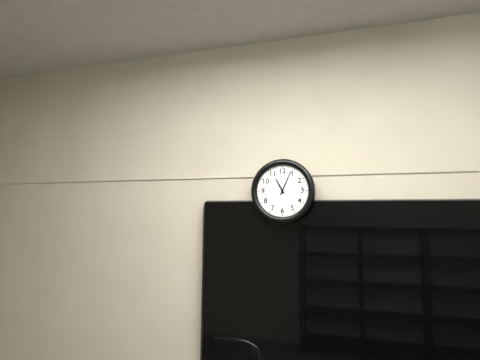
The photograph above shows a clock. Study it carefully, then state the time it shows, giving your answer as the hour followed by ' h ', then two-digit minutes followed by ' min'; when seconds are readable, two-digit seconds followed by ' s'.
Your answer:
11 h 04 min
